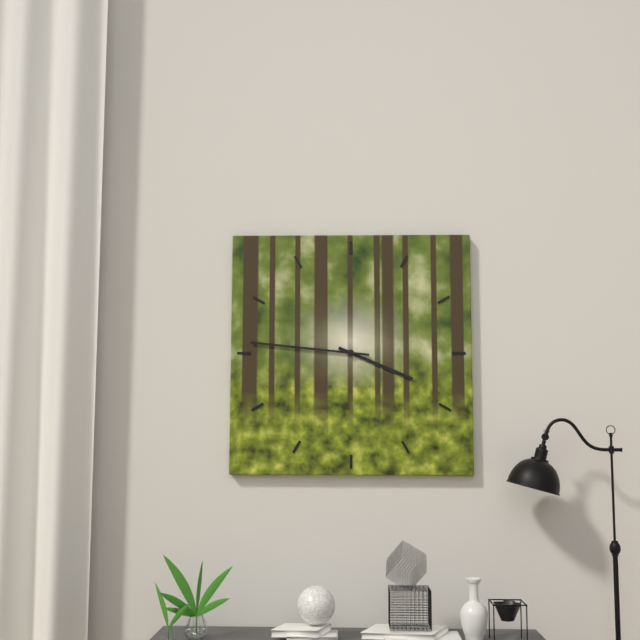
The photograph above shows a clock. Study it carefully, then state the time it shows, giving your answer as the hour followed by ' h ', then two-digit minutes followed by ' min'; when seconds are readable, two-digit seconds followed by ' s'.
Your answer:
3 h 46 min
